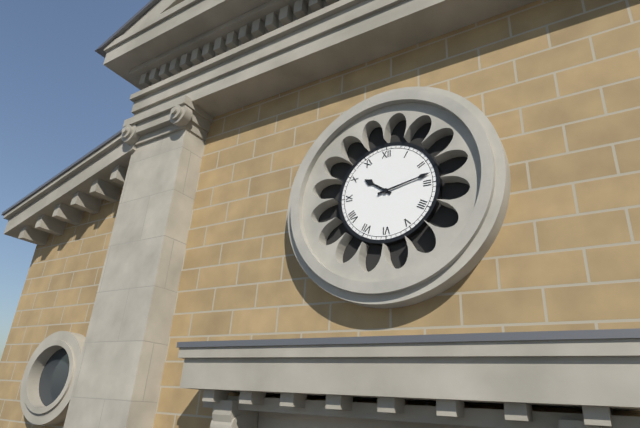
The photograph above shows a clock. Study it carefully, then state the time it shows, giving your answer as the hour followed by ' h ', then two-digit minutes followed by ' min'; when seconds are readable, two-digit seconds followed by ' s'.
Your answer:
10 h 13 min
